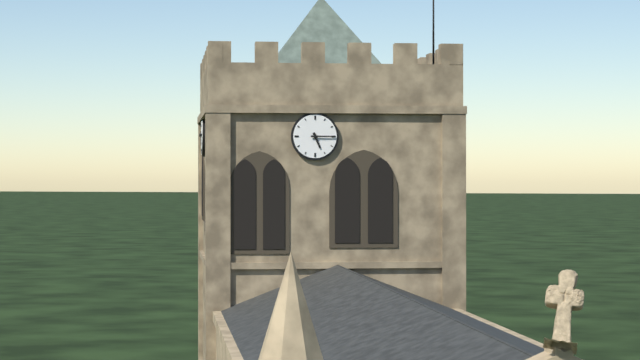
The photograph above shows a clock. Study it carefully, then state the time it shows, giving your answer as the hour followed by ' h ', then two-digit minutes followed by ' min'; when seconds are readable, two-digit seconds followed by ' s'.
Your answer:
5 h 15 min
